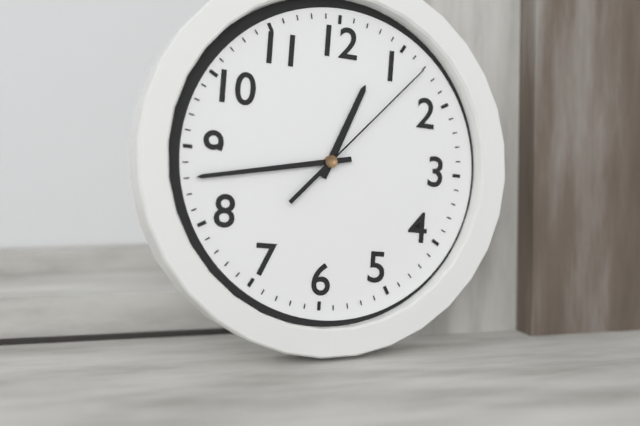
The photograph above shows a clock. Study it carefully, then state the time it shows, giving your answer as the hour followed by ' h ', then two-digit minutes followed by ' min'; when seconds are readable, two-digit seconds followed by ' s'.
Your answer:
12 h 43 min 07 s
